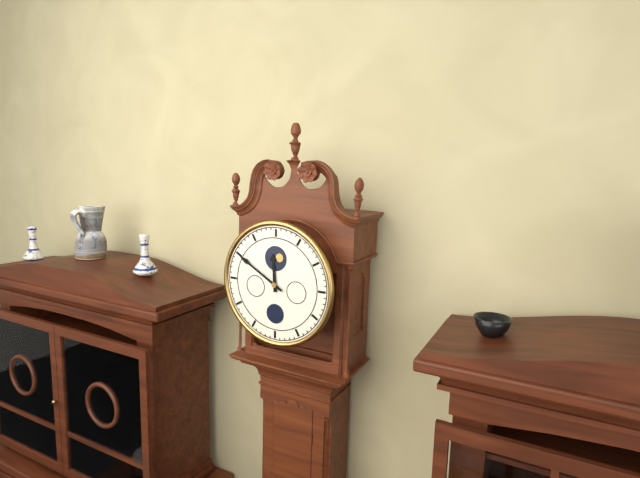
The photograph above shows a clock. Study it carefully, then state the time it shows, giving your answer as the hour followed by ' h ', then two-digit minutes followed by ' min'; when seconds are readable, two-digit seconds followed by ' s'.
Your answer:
11 h 50 min
